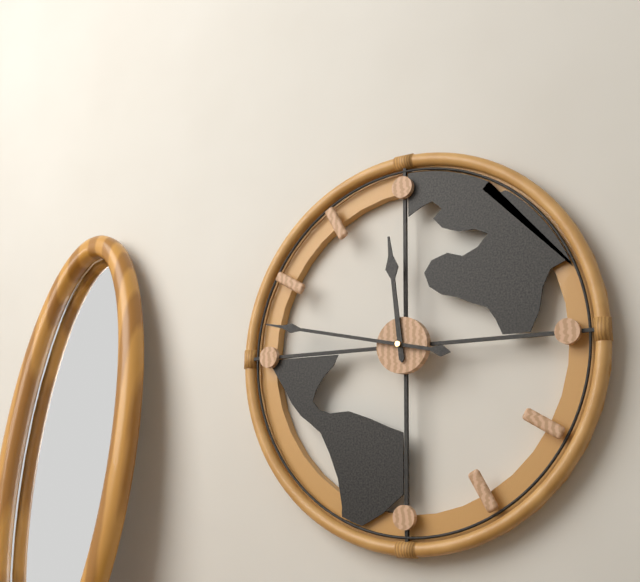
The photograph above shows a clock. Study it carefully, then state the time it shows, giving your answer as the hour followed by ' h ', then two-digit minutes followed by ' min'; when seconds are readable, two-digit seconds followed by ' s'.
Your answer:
11 h 47 min
